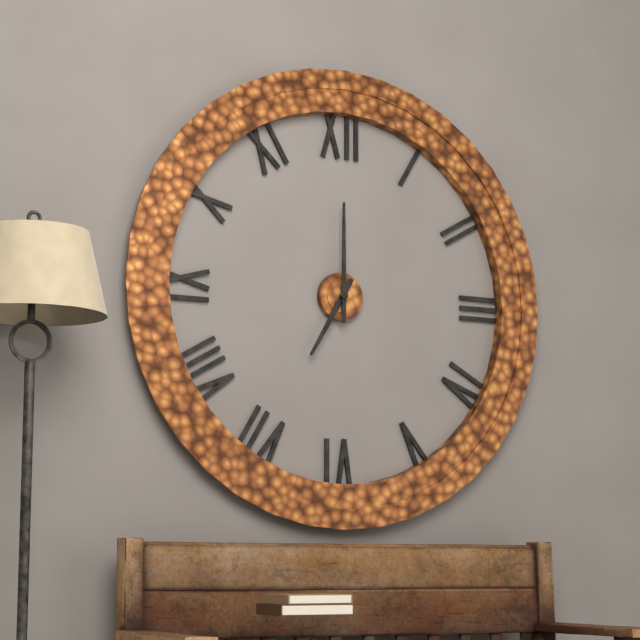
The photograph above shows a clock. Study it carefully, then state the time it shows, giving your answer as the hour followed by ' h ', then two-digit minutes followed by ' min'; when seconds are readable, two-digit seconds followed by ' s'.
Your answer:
7 h 00 min
